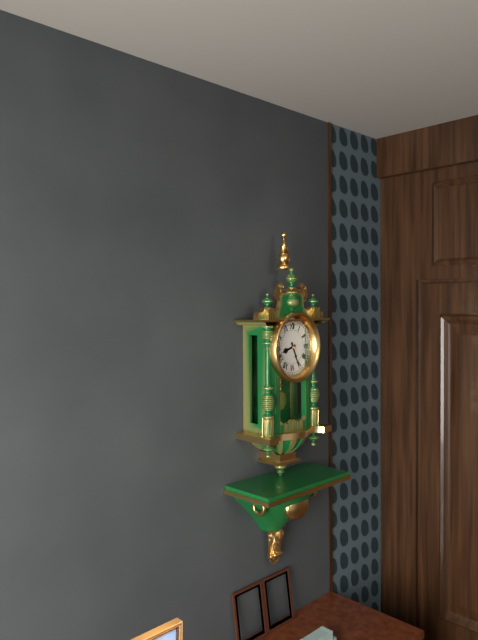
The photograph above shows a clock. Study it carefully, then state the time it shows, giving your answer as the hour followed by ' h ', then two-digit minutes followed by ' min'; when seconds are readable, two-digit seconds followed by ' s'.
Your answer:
8 h 26 min
